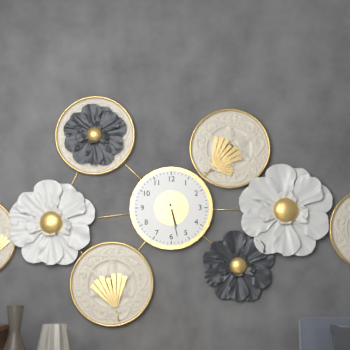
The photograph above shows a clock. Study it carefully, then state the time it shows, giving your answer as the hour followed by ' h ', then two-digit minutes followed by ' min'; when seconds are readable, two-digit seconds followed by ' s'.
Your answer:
5 h 28 min
